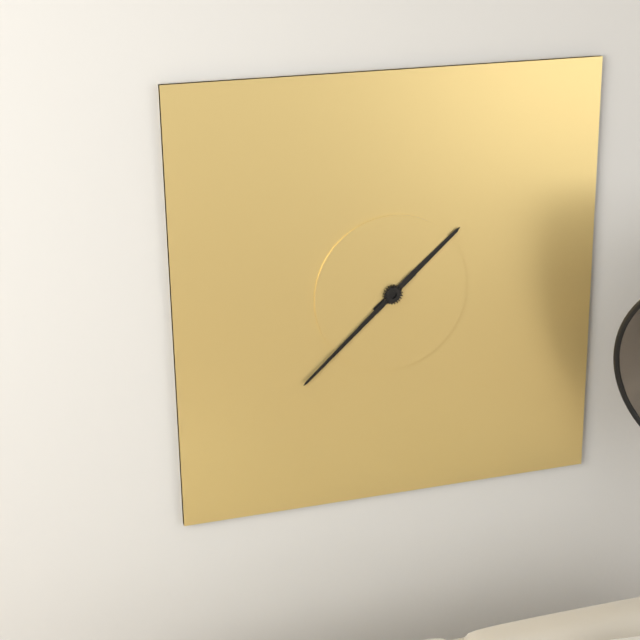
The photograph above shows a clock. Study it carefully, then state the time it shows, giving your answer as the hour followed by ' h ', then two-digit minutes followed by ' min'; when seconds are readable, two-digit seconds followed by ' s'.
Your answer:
1 h 38 min
